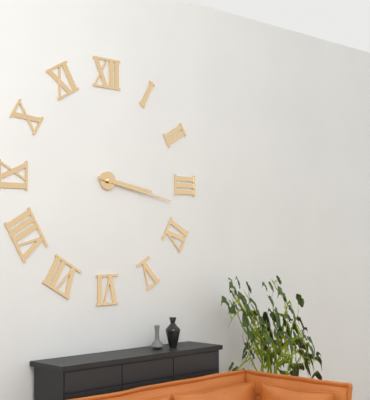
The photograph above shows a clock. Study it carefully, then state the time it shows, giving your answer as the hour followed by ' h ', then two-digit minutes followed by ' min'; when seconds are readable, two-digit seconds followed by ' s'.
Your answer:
3 h 17 min
